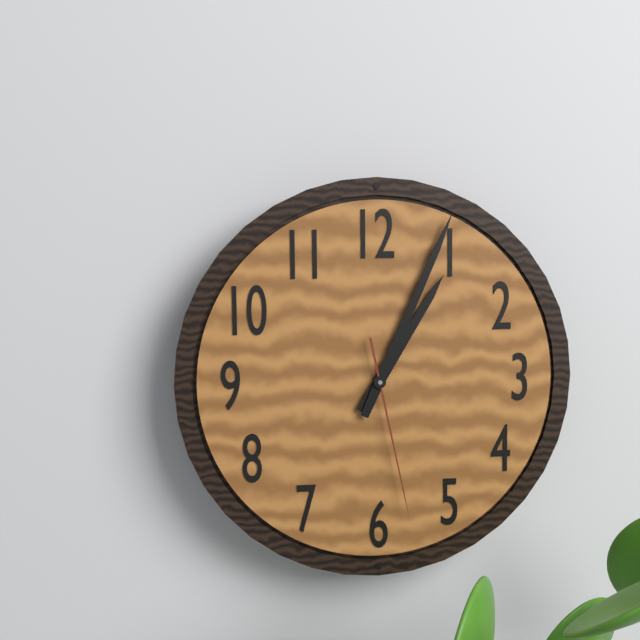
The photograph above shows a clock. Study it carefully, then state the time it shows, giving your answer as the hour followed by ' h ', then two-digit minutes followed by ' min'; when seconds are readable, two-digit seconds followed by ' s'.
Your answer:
1 h 04 min 28 s
